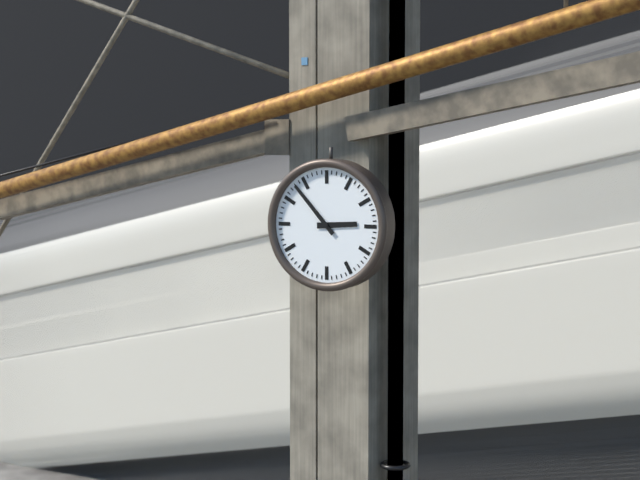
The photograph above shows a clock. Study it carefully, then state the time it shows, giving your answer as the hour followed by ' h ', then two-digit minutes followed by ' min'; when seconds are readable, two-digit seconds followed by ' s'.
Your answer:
2 h 53 min
